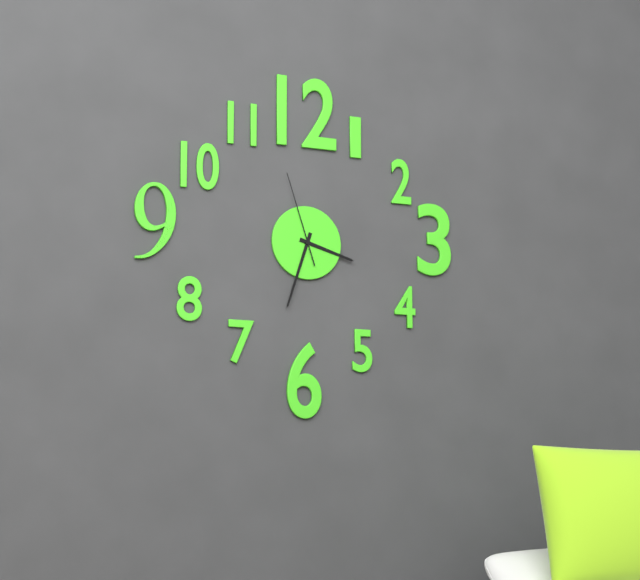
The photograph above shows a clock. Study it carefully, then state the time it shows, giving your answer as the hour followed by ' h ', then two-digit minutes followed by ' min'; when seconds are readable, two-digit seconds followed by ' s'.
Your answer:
3 h 33 min 57 s
